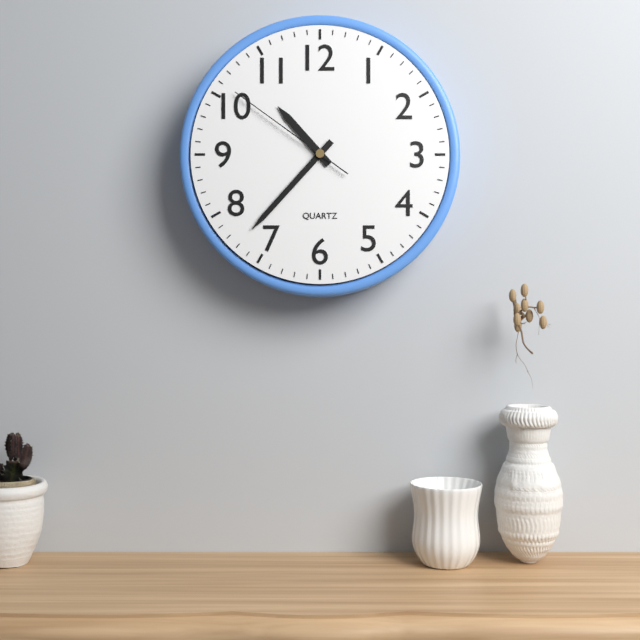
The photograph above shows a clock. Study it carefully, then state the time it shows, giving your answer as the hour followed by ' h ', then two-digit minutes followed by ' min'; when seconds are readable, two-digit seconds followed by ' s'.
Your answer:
10 h 37 min 51 s
